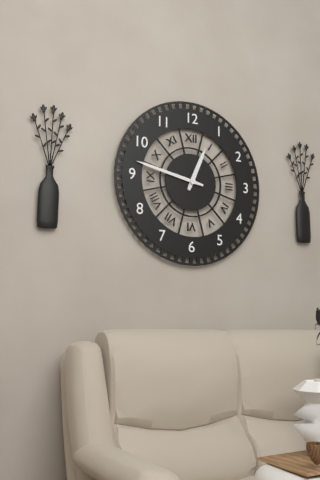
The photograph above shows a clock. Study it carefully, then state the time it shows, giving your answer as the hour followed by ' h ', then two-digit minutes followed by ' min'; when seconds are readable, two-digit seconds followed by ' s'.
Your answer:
12 h 47 min
